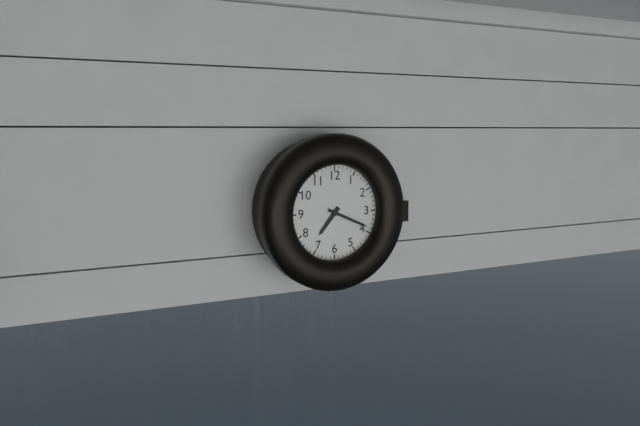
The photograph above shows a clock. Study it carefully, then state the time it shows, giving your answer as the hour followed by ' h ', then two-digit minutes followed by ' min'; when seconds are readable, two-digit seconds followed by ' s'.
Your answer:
7 h 19 min
